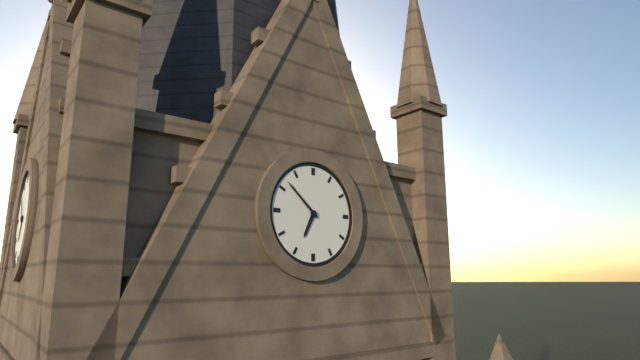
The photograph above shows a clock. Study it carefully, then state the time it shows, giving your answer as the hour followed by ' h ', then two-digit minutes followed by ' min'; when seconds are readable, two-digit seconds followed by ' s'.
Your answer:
6 h 52 min
